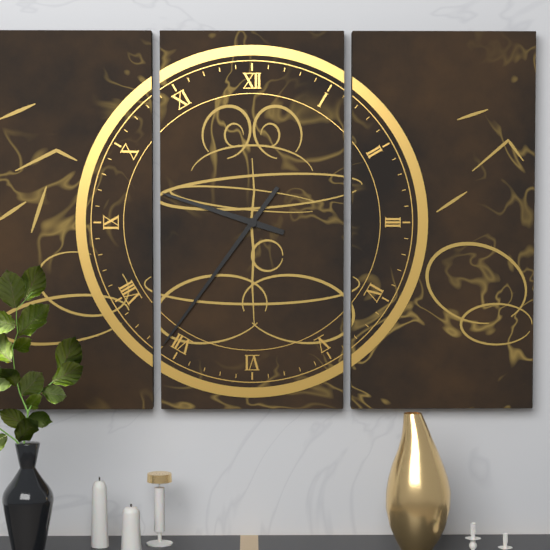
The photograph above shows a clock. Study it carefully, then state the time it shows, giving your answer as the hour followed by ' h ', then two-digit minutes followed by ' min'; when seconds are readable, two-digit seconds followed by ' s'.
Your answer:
9 h 36 min
